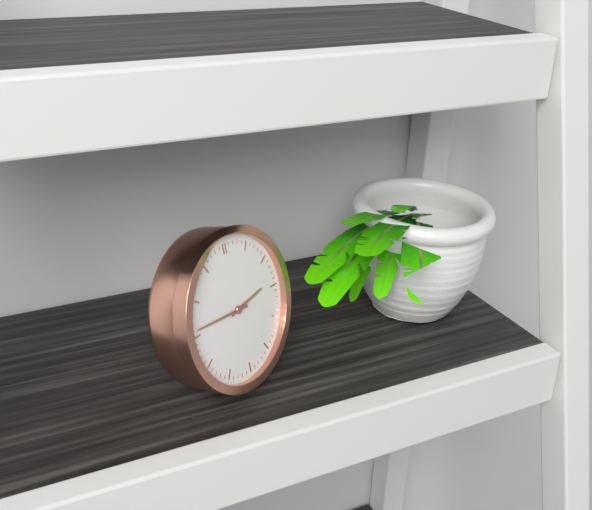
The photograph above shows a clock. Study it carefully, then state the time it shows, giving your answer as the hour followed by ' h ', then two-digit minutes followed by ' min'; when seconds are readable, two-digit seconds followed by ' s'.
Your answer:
2 h 46 min
